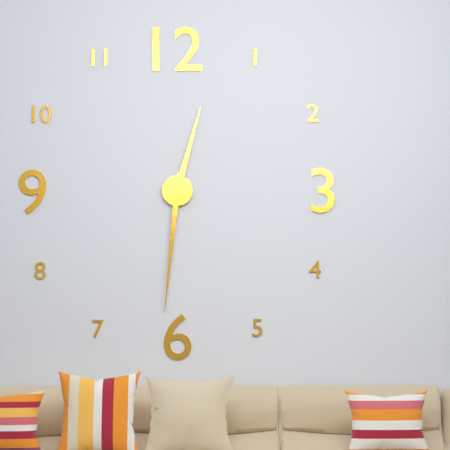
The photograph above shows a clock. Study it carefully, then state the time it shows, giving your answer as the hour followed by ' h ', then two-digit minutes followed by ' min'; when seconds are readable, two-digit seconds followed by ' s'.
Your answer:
12 h 31 min
